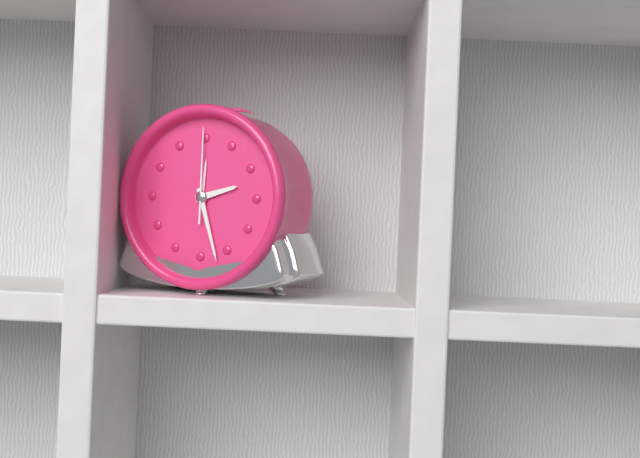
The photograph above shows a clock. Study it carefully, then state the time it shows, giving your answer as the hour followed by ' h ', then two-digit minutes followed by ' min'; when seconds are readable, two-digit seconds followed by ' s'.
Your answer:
2 h 27 min 00 s
